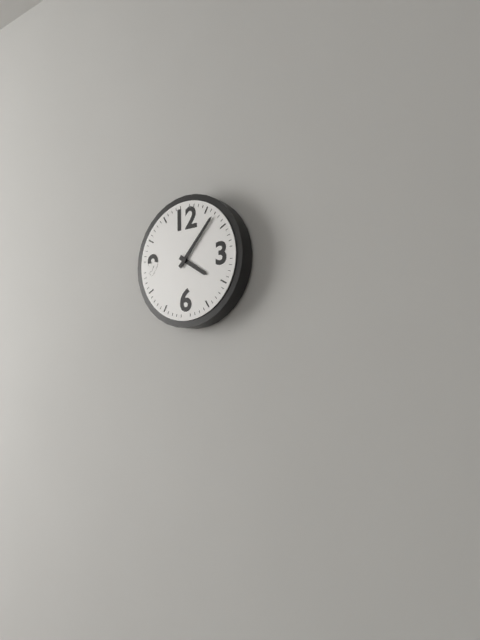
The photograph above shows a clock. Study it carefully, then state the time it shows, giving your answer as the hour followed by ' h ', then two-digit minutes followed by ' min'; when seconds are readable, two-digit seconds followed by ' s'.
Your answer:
4 h 07 min
